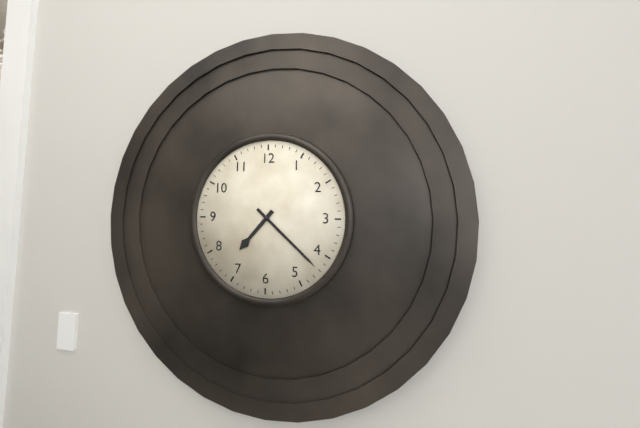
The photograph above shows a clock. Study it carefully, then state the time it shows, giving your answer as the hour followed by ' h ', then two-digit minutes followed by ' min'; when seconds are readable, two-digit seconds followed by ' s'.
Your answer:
7 h 22 min
